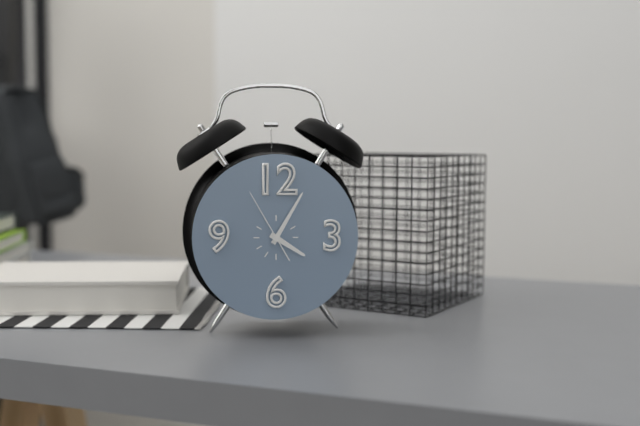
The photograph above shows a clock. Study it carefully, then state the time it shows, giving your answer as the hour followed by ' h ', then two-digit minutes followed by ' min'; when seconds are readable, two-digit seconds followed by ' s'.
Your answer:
4 h 05 min 55 s
